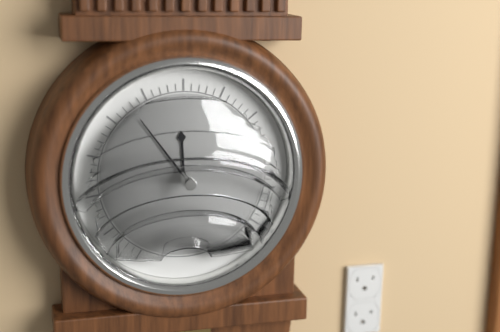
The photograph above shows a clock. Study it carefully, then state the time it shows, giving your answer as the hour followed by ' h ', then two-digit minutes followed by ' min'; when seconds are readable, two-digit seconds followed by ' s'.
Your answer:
11 h 54 min
